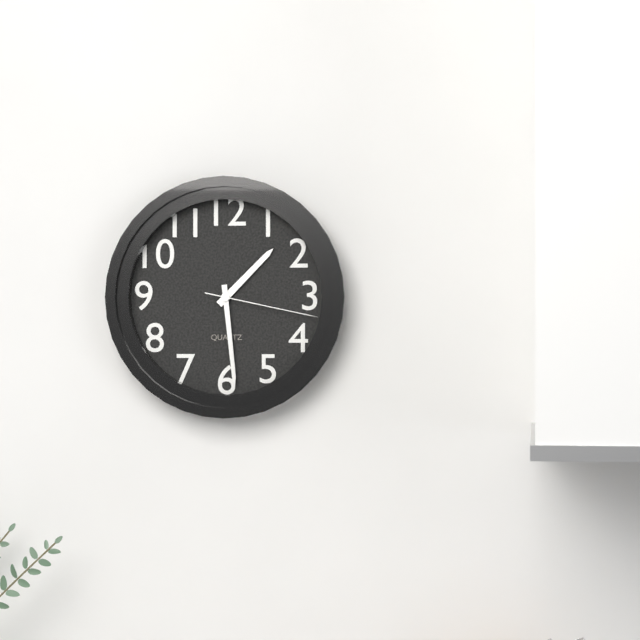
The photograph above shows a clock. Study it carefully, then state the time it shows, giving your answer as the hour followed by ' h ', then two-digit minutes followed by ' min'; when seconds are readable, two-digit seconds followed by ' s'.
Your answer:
1 h 29 min 17 s
